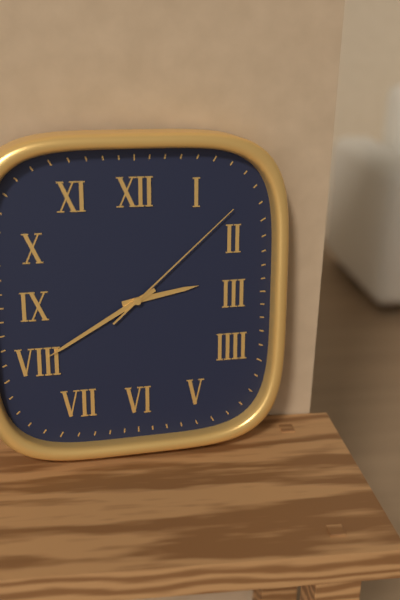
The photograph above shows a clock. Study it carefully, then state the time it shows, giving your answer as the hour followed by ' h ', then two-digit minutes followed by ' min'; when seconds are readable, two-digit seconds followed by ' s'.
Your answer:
2 h 40 min 08 s
